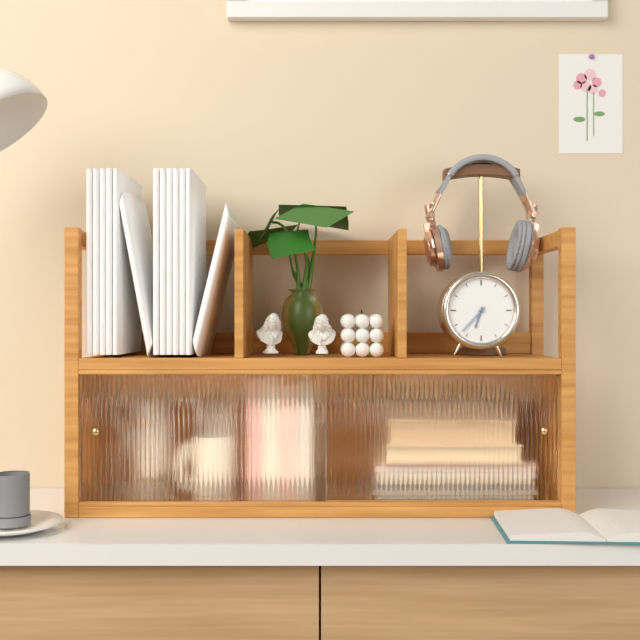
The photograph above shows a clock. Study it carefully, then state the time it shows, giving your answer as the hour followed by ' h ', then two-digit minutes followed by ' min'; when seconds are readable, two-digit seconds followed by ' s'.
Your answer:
6 h 37 min
